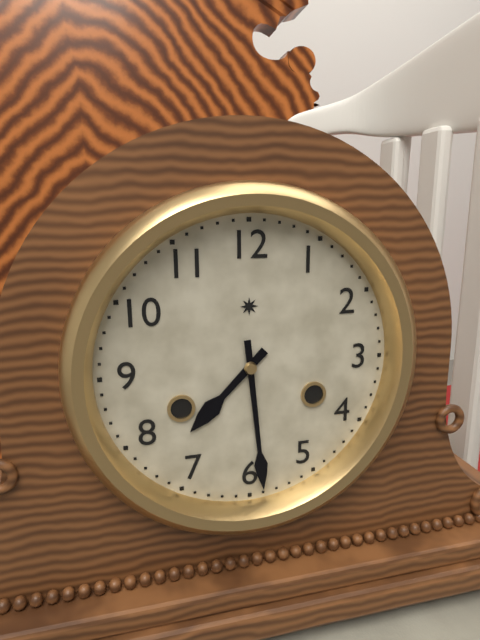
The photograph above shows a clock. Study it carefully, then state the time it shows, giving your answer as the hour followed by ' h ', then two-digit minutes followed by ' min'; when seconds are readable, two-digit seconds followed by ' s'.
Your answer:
7 h 29 min
